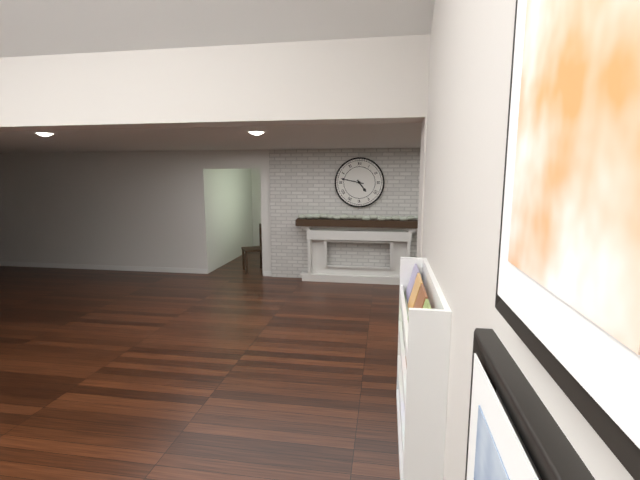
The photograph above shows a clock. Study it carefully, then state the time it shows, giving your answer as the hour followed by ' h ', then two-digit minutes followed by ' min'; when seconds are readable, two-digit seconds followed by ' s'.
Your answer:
4 h 47 min
